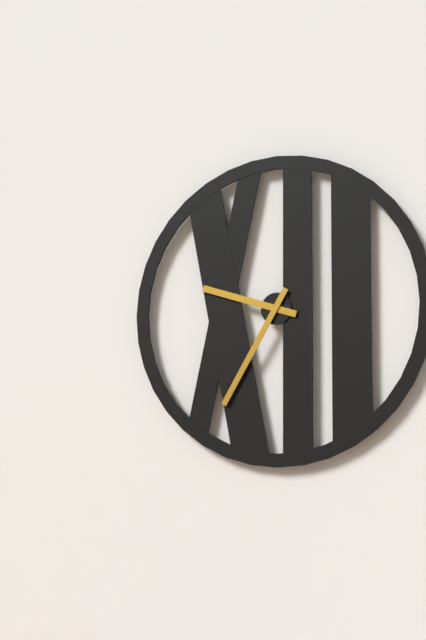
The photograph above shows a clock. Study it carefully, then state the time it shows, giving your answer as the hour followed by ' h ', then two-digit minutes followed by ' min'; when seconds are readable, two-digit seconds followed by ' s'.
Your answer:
9 h 35 min
